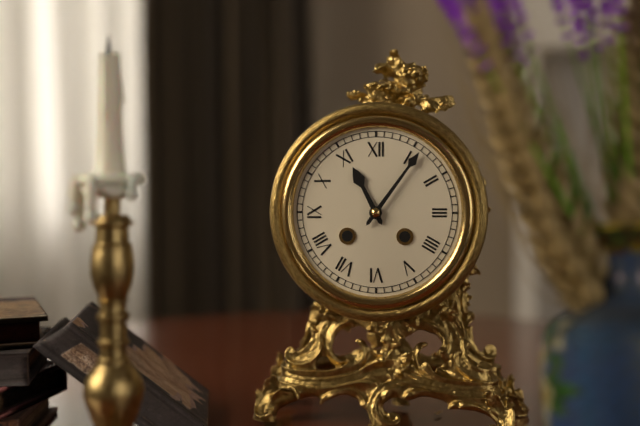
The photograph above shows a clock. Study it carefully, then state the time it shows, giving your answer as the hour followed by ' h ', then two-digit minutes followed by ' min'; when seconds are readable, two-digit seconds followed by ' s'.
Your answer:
11 h 06 min
